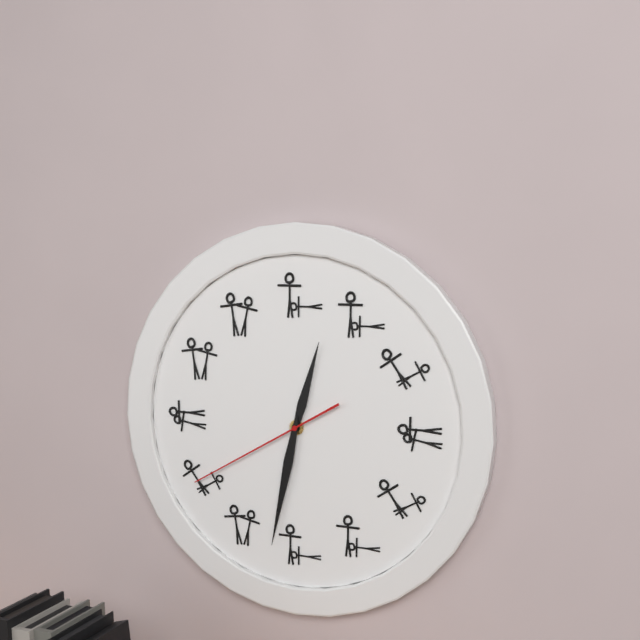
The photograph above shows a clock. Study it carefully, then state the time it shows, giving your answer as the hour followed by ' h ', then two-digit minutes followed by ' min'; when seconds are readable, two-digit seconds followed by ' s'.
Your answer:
12 h 32 min 40 s
